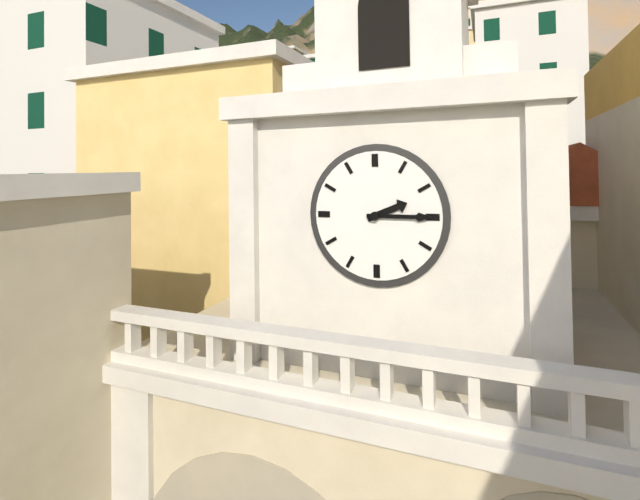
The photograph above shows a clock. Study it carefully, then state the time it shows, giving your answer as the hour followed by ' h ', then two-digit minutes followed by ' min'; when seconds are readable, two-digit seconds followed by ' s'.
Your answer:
2 h 15 min
